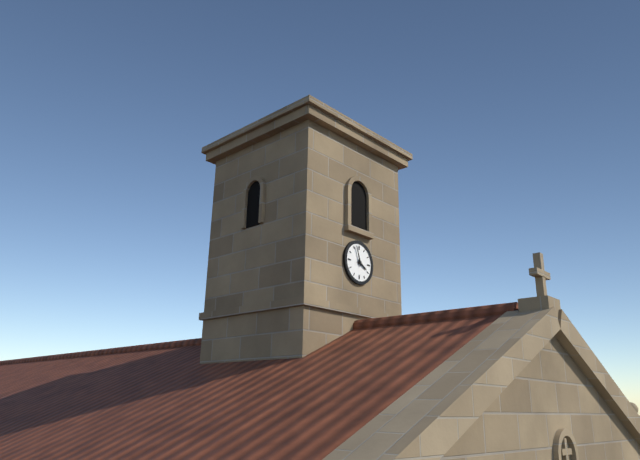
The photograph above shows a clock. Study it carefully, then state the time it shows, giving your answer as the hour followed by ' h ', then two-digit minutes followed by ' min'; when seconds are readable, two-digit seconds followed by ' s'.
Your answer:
3 h 57 min
